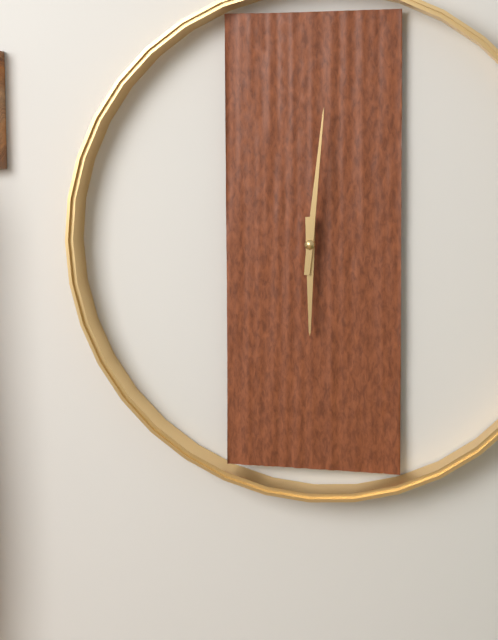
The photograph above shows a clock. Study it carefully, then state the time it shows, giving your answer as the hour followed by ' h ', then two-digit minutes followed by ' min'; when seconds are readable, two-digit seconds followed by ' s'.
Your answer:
6 h 01 min
